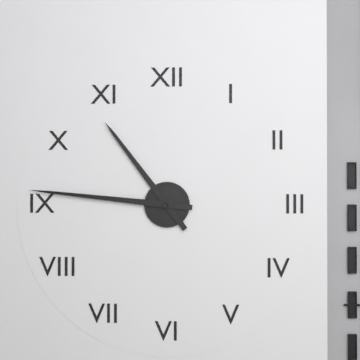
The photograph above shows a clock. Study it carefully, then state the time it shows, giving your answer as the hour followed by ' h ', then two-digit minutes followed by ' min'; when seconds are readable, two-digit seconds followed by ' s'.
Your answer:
10 h 46 min
